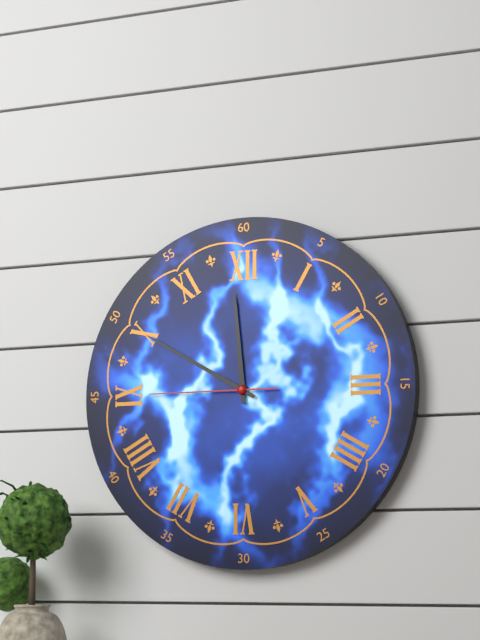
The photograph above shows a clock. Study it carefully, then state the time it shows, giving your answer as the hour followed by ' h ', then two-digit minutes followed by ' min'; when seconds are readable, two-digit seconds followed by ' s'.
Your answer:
11 h 50 min 45 s
